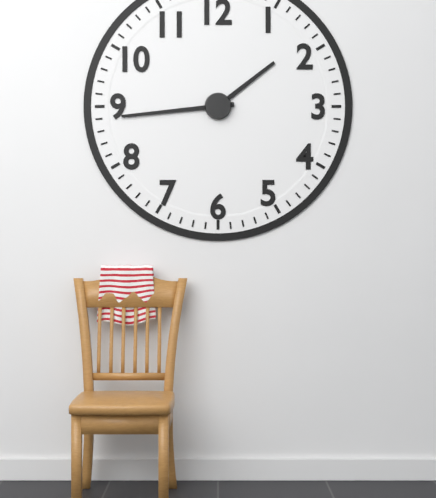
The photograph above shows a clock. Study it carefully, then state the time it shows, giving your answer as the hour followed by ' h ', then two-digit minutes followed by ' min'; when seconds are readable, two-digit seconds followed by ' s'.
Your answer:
1 h 44 min
